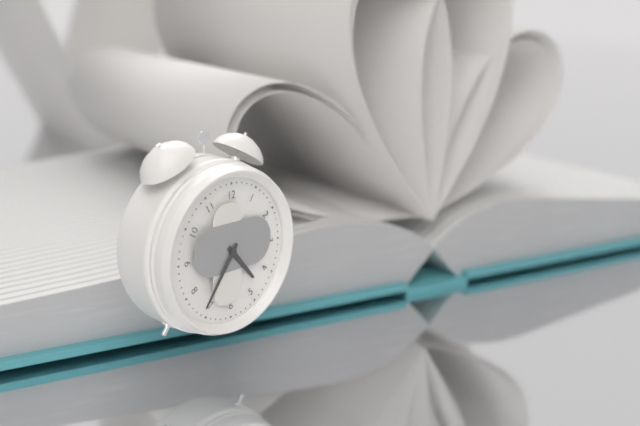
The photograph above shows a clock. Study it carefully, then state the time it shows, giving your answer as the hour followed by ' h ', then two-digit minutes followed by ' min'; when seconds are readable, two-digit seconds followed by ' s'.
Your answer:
4 h 36 min
